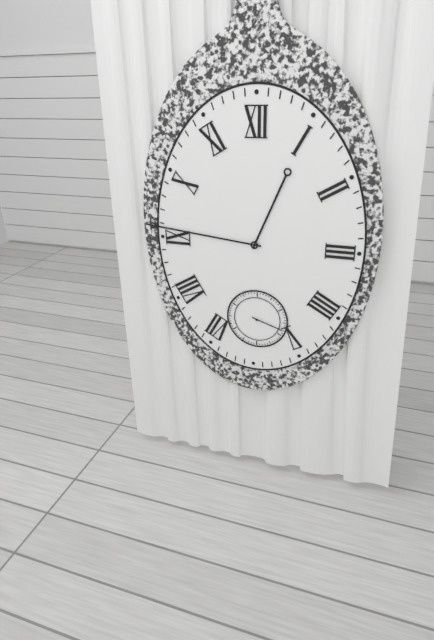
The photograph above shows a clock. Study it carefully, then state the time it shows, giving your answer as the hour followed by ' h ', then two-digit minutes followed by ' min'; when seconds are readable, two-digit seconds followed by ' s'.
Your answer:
12 h 46 min
